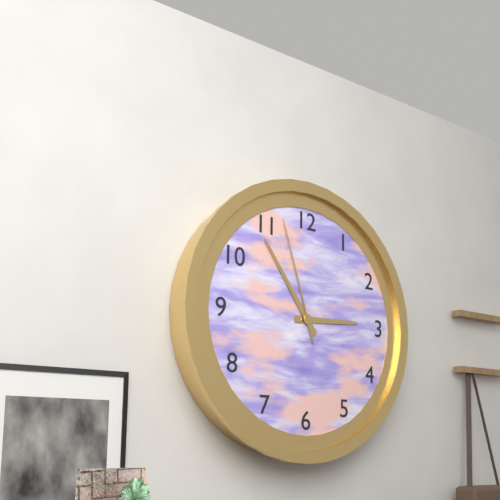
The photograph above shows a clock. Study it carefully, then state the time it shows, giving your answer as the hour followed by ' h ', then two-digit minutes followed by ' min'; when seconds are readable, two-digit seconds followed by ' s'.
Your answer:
2 h 54 min 57 s
